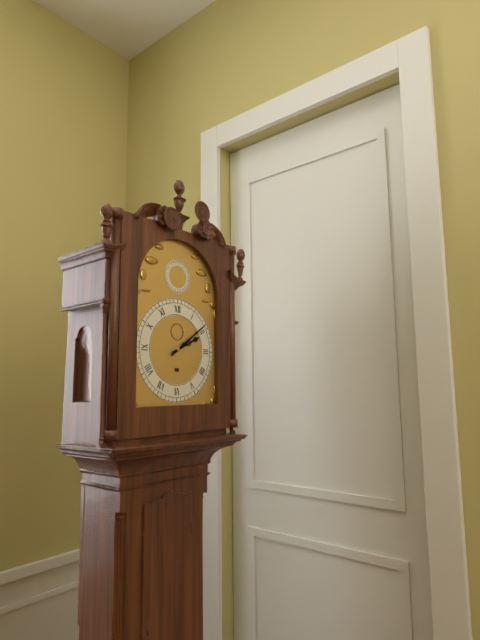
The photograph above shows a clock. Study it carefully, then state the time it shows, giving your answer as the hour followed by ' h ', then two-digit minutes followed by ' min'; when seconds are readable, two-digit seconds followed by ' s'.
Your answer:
2 h 09 min
